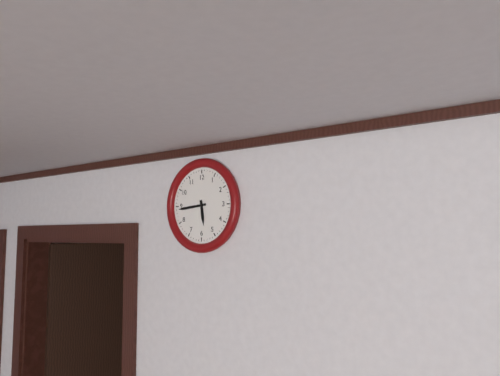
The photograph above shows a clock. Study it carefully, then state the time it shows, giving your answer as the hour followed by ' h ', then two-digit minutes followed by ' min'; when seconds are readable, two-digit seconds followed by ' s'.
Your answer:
5 h 44 min
